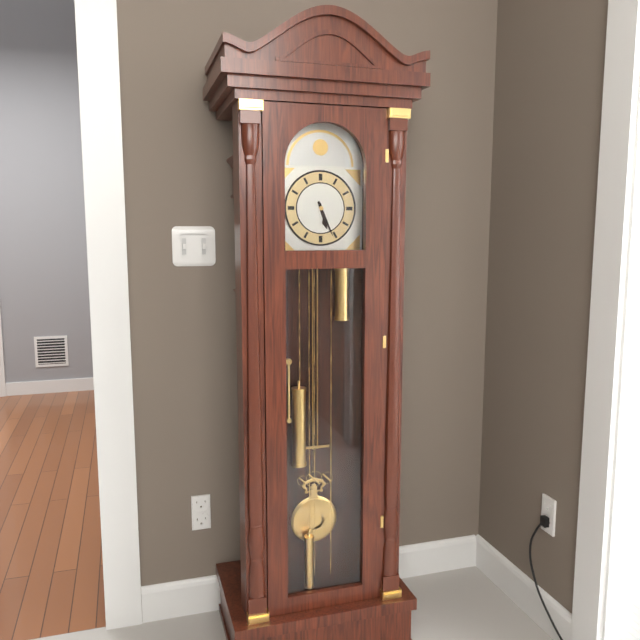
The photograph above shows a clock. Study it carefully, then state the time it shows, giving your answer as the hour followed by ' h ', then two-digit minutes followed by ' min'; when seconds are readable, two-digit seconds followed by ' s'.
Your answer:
5 h 26 min
